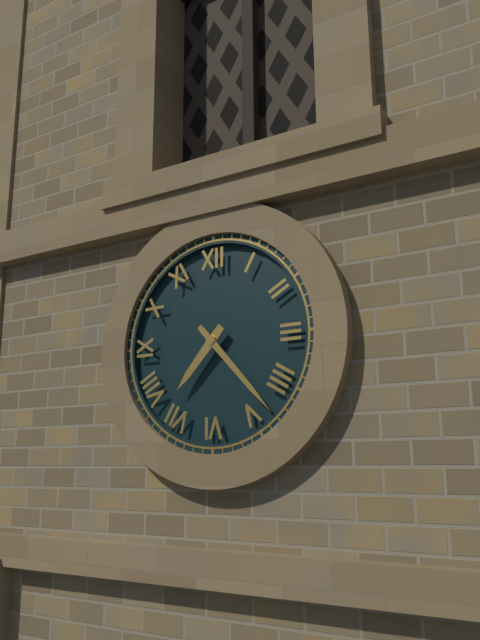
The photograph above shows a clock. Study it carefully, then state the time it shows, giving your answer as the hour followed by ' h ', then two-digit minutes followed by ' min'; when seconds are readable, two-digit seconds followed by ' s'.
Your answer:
7 h 23 min
